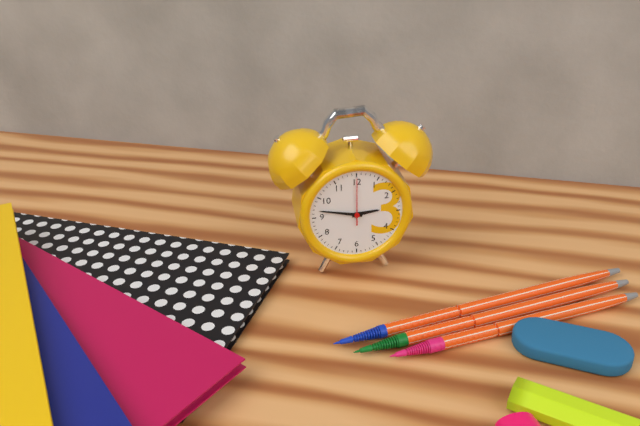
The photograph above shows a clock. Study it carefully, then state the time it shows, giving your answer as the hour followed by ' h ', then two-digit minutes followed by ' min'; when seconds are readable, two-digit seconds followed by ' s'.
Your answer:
2 h 47 min
